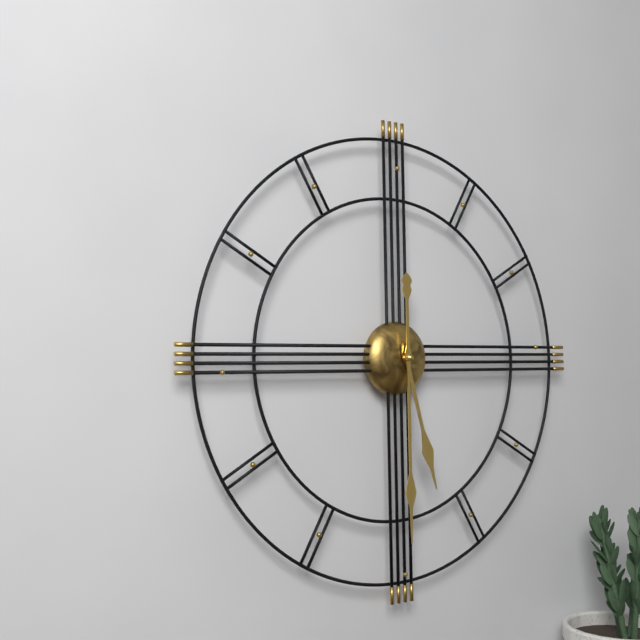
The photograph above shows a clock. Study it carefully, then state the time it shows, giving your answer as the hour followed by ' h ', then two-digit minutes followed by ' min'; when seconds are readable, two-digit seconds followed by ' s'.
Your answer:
5 h 30 min
